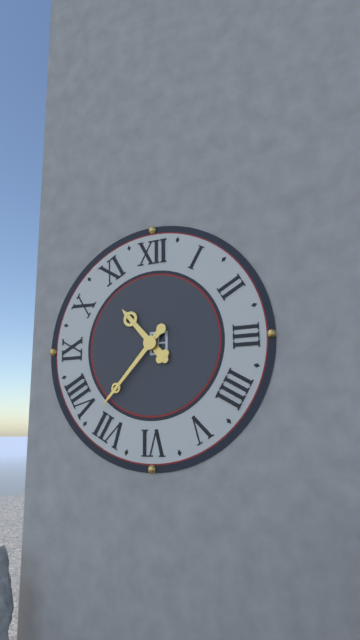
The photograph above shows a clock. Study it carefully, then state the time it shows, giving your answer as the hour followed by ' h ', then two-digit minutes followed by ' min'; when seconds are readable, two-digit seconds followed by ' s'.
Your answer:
10 h 37 min
